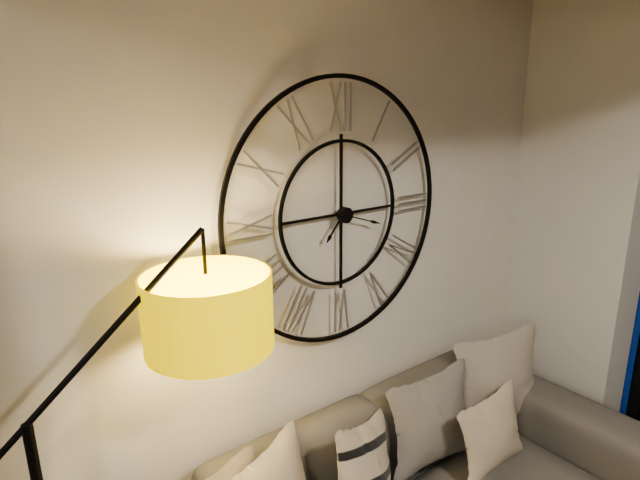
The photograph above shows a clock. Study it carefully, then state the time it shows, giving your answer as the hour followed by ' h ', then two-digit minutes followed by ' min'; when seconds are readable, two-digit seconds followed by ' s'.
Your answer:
7 h 18 min
